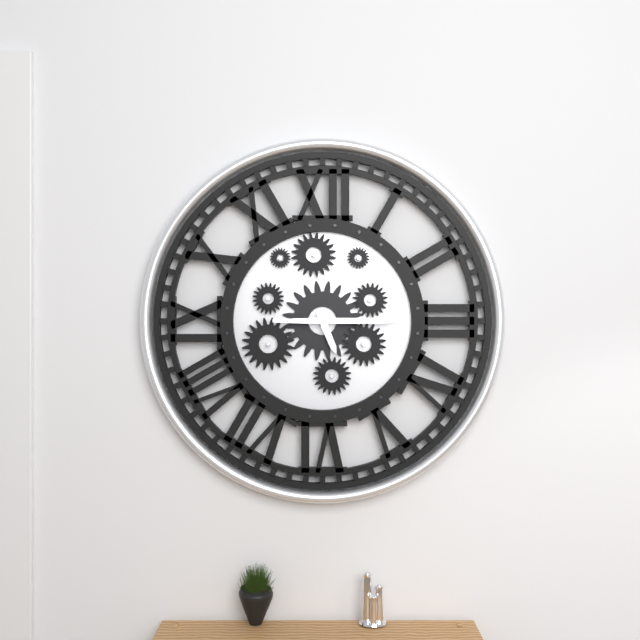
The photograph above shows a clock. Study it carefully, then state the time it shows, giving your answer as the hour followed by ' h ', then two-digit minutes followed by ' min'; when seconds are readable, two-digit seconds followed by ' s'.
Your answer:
5 h 15 min
